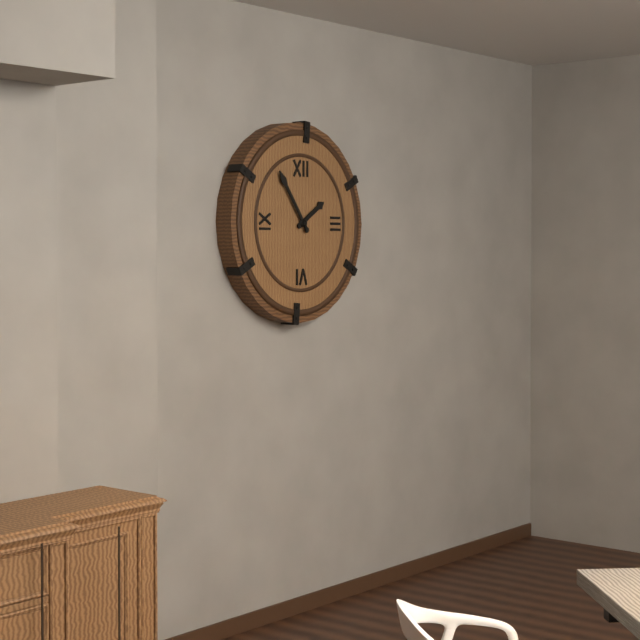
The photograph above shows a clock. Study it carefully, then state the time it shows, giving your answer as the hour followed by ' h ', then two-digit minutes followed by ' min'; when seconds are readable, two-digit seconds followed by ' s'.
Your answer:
1 h 54 min
